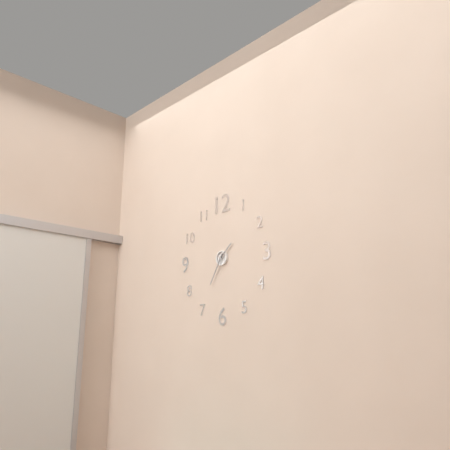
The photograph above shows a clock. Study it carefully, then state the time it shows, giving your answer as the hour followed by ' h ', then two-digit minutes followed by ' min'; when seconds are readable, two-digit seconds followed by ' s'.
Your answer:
1 h 35 min
